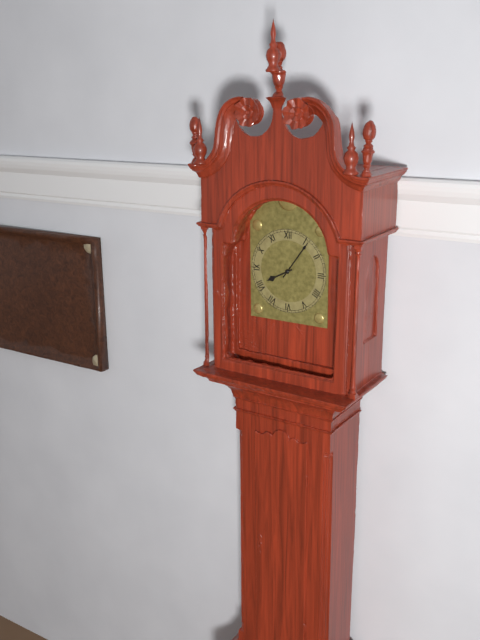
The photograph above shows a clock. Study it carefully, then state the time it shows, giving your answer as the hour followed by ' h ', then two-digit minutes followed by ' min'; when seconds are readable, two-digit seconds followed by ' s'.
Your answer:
8 h 06 min
